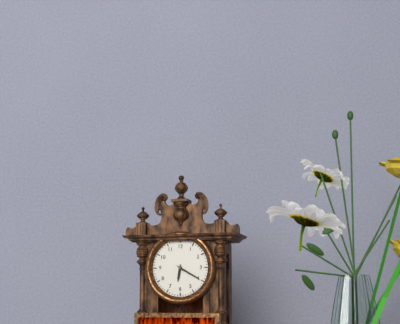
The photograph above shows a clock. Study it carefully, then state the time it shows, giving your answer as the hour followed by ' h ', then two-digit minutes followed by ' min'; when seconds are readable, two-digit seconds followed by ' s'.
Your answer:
6 h 20 min
